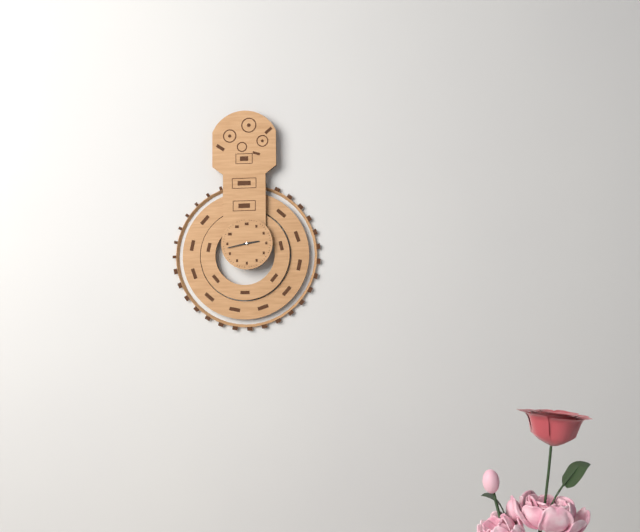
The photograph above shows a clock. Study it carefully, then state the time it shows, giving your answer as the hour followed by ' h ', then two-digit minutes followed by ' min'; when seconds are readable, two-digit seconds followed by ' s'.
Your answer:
2 h 43 min
